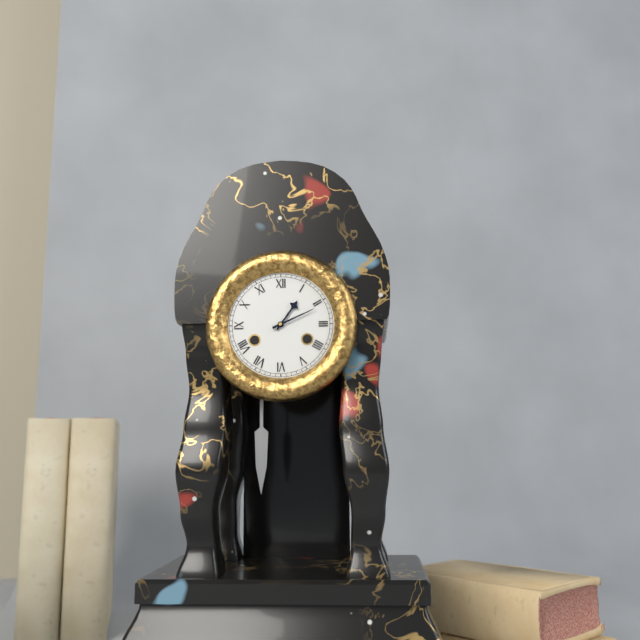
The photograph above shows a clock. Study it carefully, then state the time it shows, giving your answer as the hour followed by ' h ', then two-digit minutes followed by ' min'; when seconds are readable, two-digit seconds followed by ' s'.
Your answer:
1 h 11 min
